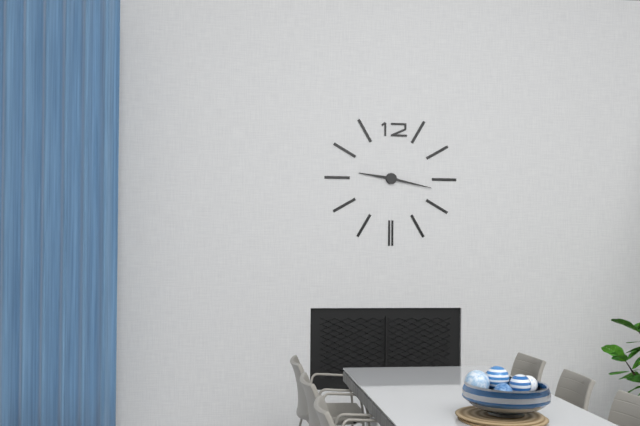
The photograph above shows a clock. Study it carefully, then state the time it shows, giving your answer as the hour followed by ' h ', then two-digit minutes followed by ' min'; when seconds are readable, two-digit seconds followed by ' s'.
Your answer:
9 h 17 min
